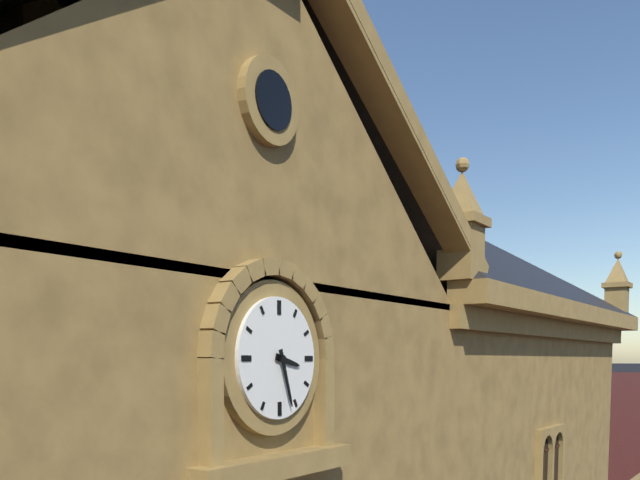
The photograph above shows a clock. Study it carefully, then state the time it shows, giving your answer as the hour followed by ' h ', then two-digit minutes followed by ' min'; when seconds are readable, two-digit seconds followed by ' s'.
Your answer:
3 h 27 min
